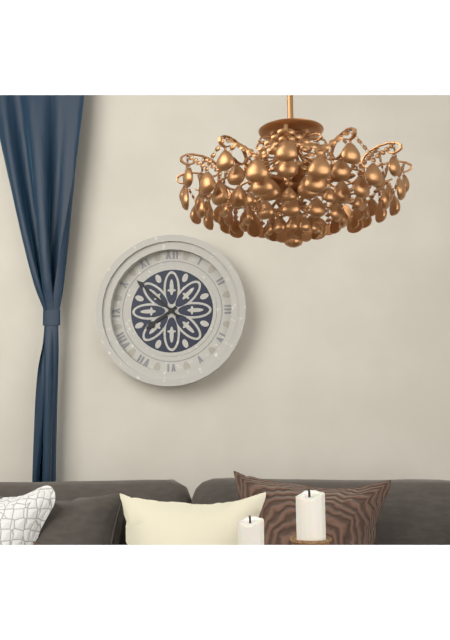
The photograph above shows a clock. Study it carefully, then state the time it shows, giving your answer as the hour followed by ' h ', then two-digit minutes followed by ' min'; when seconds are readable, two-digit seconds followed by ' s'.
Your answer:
7 h 52 min
